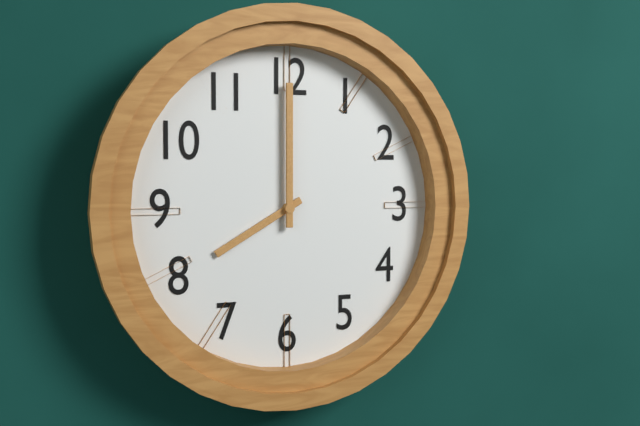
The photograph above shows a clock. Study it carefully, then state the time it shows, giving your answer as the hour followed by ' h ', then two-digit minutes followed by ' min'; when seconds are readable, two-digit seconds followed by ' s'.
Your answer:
8 h 00 min
